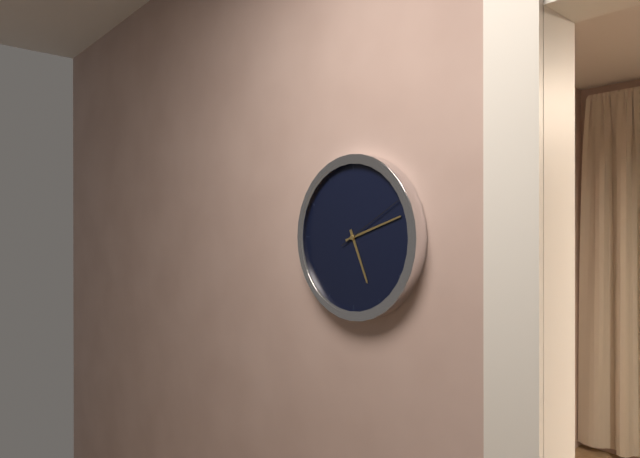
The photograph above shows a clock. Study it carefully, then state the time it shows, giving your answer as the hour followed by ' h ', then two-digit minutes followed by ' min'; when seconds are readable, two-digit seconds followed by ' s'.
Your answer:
5 h 12 min 10 s
